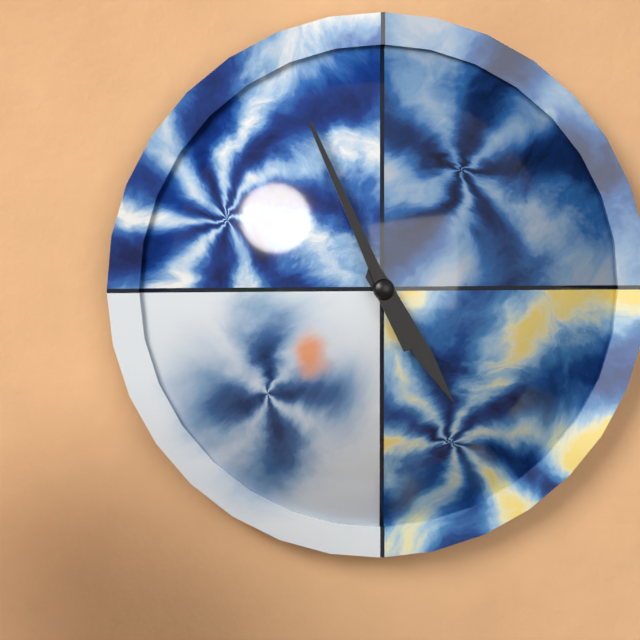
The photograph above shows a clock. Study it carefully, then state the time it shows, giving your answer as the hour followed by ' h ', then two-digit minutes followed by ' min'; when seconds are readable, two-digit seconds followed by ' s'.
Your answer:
4 h 56 min
